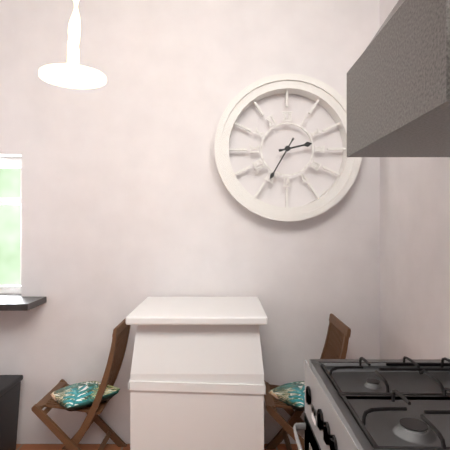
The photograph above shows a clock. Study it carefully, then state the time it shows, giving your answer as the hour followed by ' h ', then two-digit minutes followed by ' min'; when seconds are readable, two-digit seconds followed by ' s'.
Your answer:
2 h 35 min
